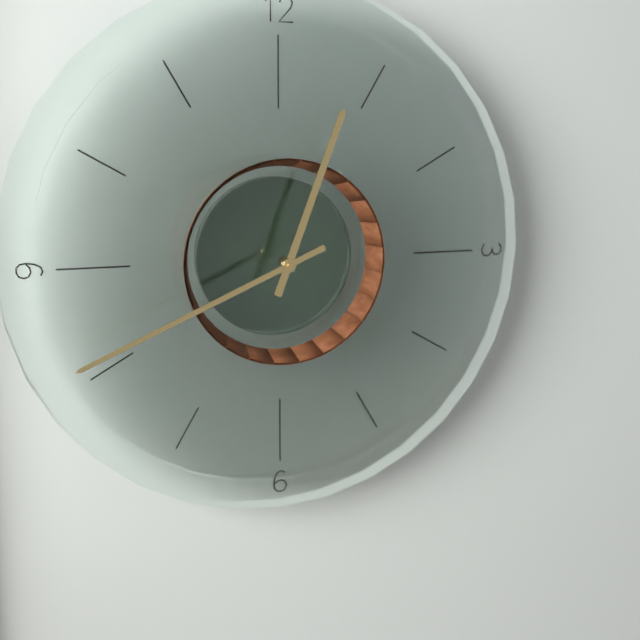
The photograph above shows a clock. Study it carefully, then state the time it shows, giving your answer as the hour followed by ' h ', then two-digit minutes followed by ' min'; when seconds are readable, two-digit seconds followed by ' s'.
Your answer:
12 h 41 min
